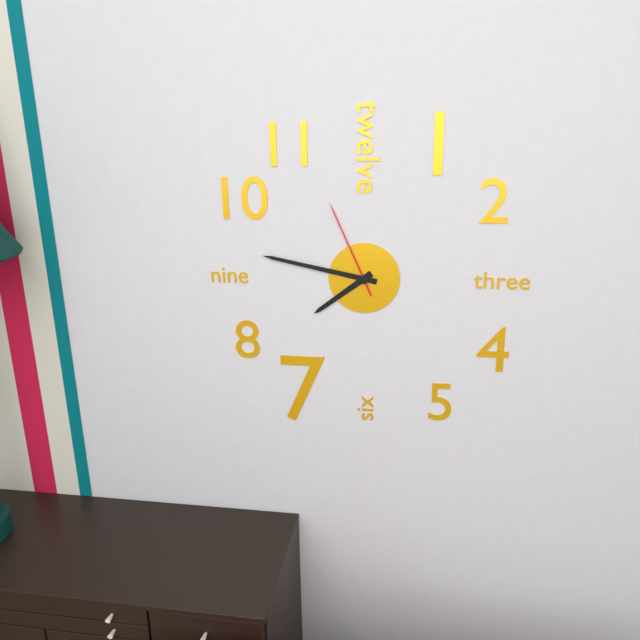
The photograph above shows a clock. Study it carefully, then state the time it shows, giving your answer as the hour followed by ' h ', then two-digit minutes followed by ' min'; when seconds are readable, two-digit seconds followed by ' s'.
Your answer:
7 h 47 min 56 s
